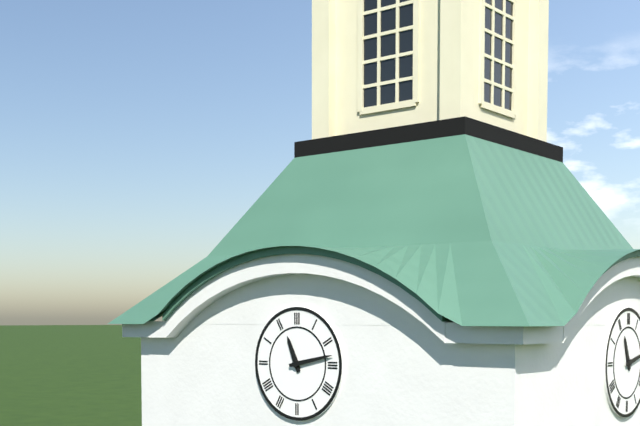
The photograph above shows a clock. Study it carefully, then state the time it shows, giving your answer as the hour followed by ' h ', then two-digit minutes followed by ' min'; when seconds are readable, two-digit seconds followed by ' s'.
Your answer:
11 h 13 min
